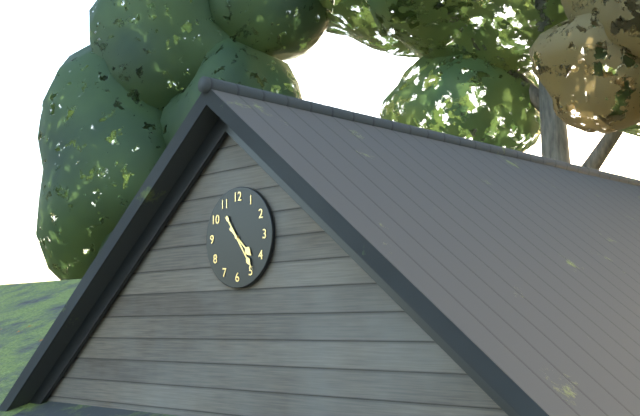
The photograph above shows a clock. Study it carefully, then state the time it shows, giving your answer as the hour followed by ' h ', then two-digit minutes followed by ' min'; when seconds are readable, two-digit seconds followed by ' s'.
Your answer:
4 h 24 min
